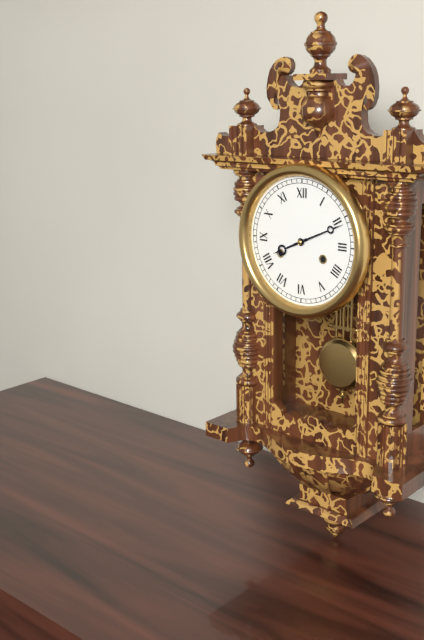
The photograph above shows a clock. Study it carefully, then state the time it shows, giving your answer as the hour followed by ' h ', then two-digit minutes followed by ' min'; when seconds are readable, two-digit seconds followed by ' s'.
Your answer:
8 h 11 min
